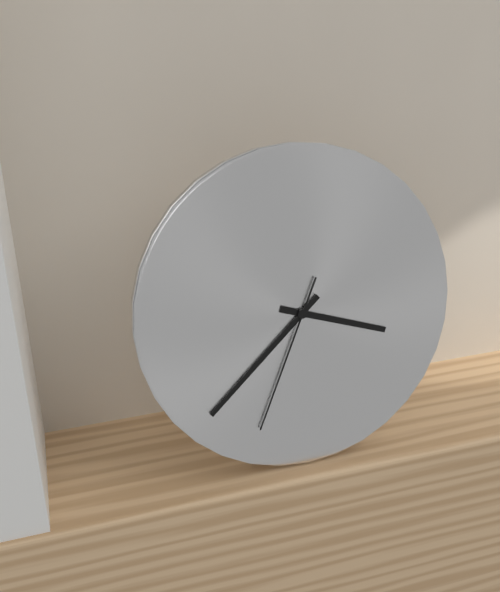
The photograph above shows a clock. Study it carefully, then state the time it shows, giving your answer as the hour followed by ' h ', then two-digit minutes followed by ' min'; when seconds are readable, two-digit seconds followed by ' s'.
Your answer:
3 h 38 min 34 s
